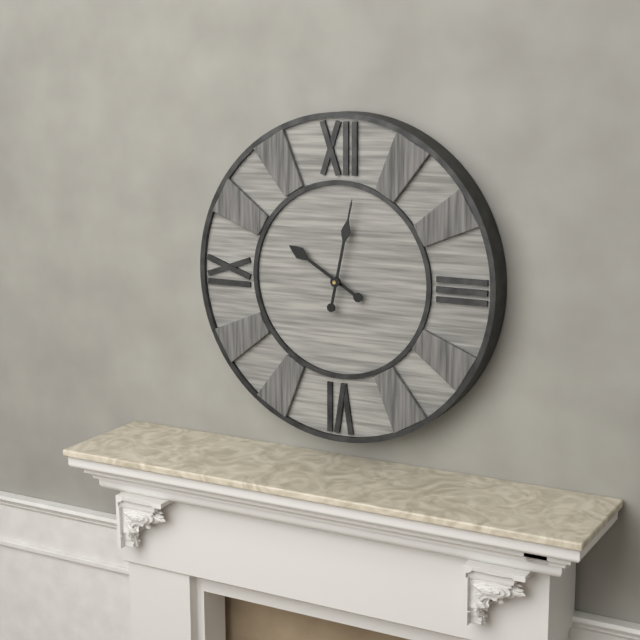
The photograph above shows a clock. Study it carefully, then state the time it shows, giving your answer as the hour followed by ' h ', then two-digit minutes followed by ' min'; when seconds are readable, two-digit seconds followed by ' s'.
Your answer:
10 h 02 min
